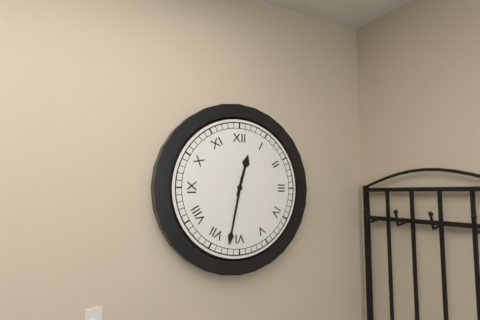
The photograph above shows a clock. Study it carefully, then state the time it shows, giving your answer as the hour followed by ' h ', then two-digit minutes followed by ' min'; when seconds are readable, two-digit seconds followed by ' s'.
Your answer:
12 h 32 min
